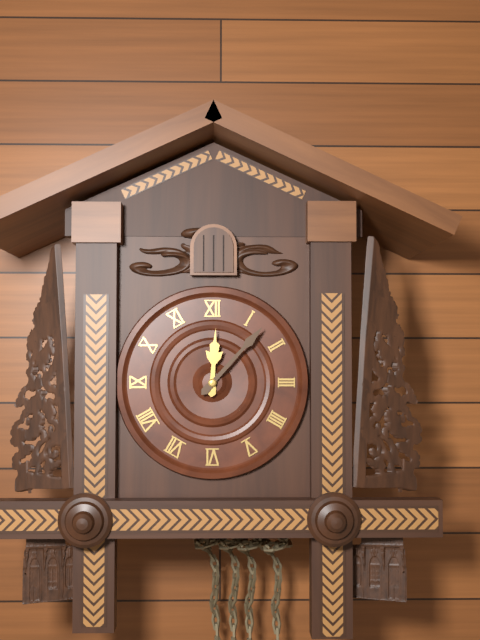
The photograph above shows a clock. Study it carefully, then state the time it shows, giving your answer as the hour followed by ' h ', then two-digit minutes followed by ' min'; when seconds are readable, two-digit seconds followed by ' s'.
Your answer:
12 h 07 min
